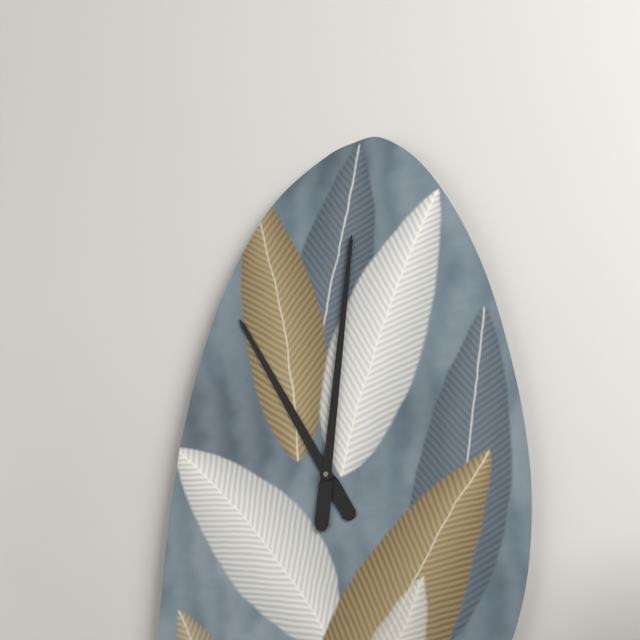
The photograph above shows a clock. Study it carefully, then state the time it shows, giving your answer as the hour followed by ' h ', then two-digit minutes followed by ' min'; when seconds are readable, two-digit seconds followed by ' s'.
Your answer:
11 h 01 min
